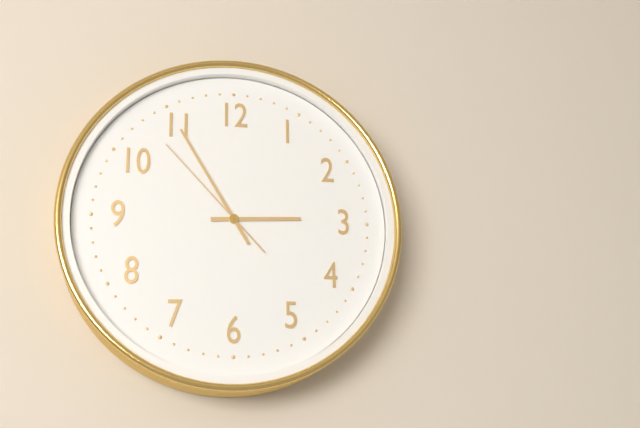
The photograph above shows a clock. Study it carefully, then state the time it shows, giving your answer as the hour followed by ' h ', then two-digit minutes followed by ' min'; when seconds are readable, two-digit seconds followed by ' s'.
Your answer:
2 h 55 min 53 s
